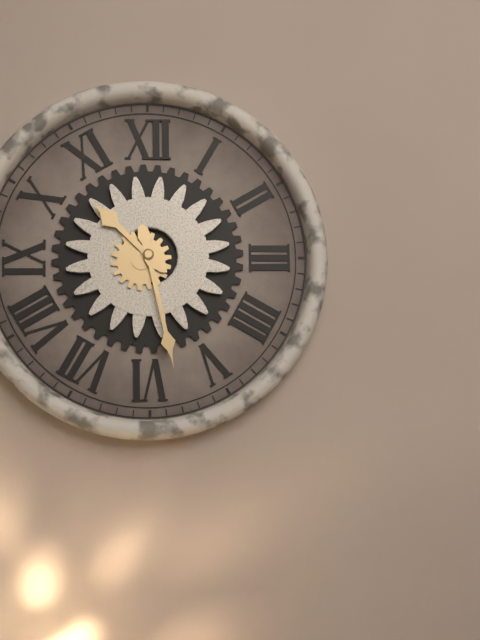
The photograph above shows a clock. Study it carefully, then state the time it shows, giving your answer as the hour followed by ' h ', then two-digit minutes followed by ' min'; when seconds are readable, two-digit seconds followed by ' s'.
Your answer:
10 h 28 min
